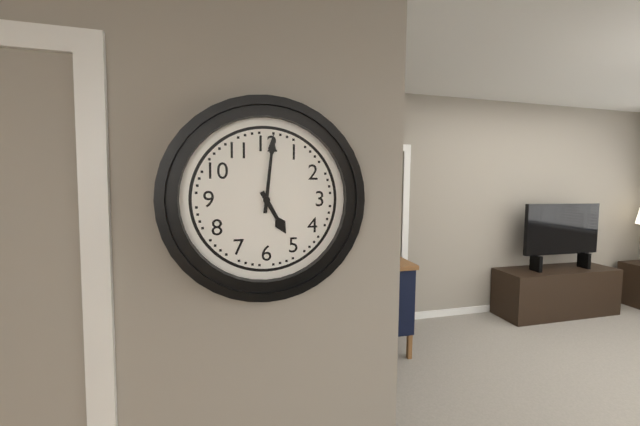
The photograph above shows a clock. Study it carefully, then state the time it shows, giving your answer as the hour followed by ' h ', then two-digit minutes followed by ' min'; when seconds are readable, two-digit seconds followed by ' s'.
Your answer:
5 h 01 min
